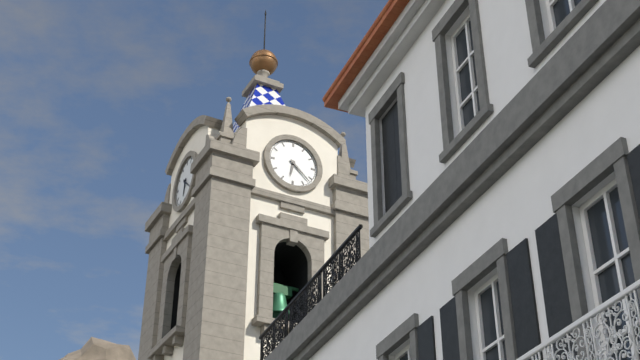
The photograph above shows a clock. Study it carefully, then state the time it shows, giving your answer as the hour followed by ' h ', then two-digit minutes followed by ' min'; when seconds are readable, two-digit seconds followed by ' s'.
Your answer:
6 h 22 min
